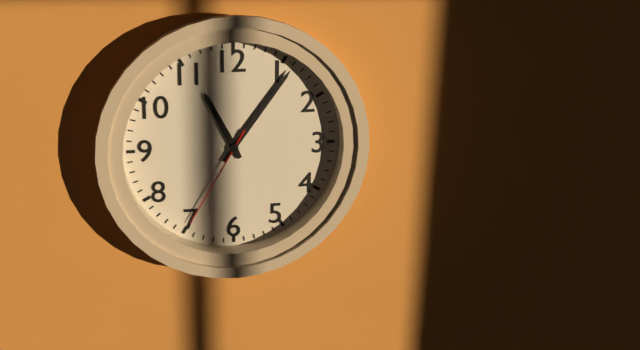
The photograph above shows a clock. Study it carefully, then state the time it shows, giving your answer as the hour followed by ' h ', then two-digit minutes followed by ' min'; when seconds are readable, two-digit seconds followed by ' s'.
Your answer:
11 h 06 min 35 s
